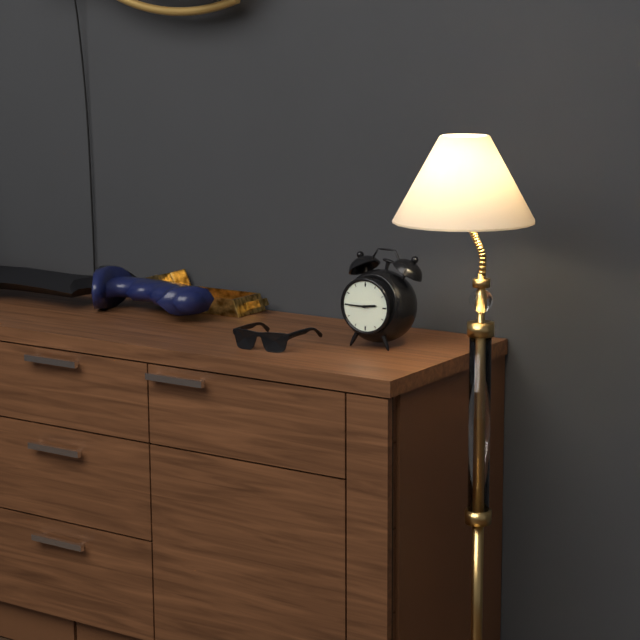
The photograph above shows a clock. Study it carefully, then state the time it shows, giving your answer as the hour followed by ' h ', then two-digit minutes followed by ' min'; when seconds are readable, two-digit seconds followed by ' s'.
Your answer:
2 h 45 min
